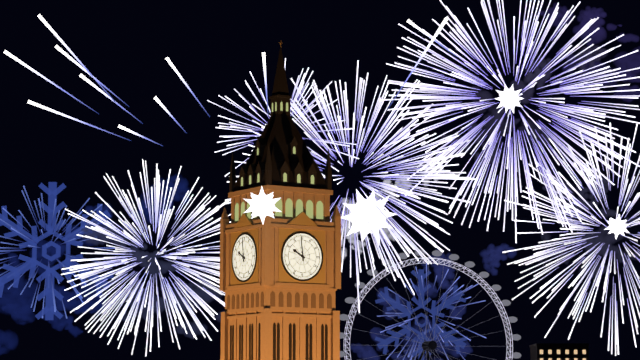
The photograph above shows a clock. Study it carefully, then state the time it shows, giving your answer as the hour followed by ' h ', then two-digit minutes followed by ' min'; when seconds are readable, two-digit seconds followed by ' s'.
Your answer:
9 h 59 min
